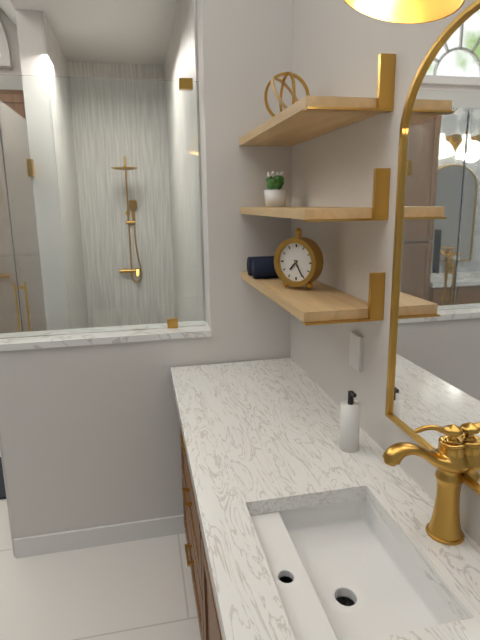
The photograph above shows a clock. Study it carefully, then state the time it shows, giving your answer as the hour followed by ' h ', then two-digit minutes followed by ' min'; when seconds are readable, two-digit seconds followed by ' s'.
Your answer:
7 h 25 min
